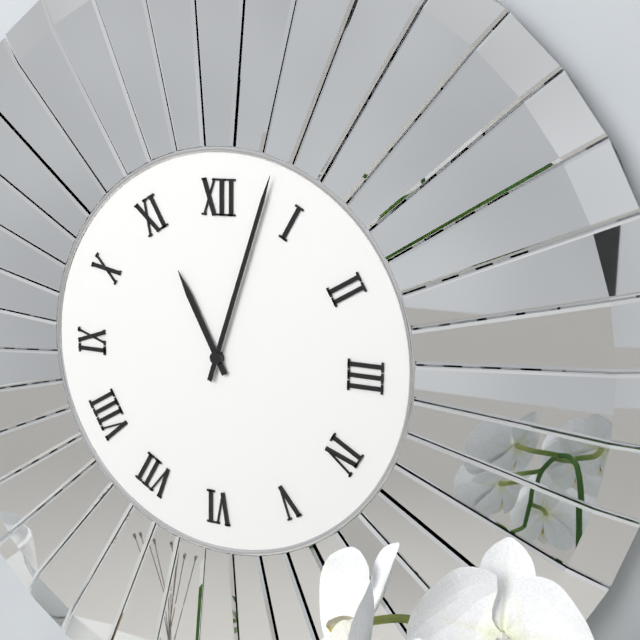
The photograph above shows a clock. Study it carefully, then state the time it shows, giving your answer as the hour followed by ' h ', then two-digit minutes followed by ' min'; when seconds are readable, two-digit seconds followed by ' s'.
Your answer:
11 h 03 min
